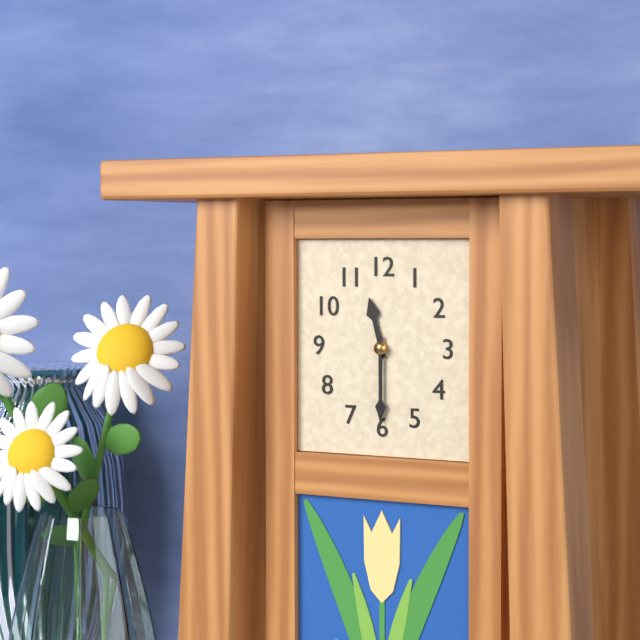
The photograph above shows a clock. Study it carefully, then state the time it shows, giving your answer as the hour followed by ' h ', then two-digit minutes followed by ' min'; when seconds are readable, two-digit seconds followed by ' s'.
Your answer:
11 h 30 min
